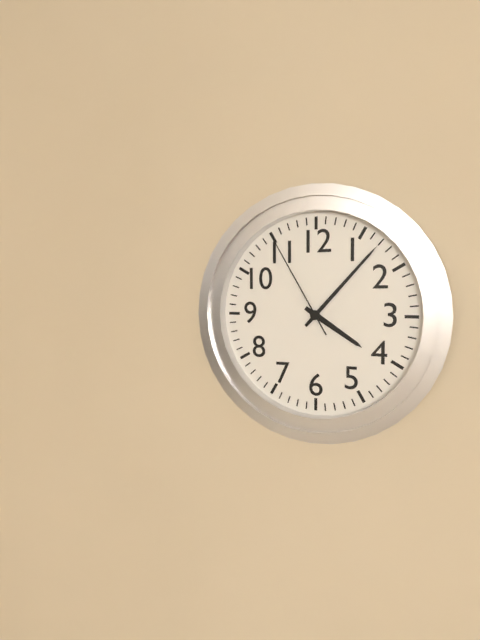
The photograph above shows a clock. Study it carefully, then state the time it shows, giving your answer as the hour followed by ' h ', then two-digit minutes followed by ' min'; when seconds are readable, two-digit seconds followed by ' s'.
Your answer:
4 h 07 min 55 s
